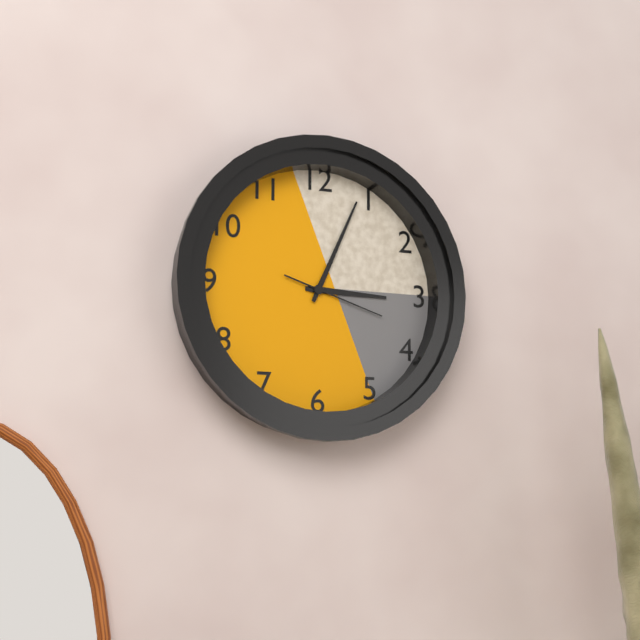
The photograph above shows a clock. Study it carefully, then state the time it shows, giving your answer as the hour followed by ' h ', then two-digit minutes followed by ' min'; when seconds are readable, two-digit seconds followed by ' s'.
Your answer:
3 h 04 min 18 s
